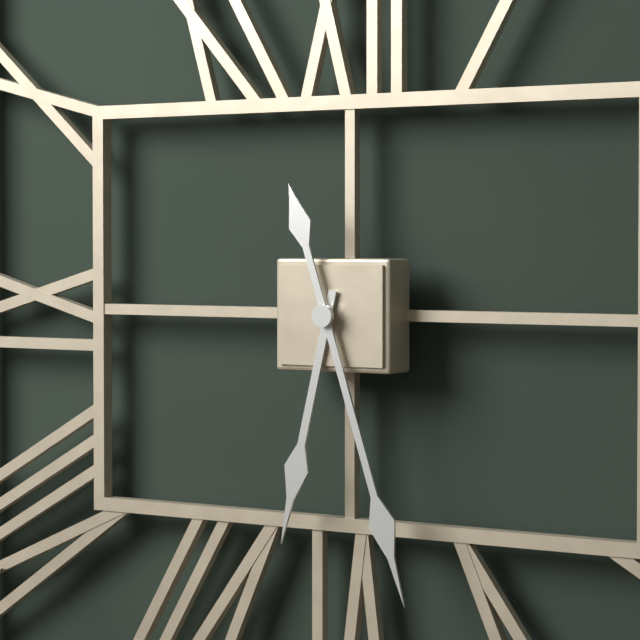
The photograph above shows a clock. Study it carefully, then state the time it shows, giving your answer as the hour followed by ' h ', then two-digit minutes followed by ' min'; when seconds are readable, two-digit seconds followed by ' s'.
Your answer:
6 h 27 min
